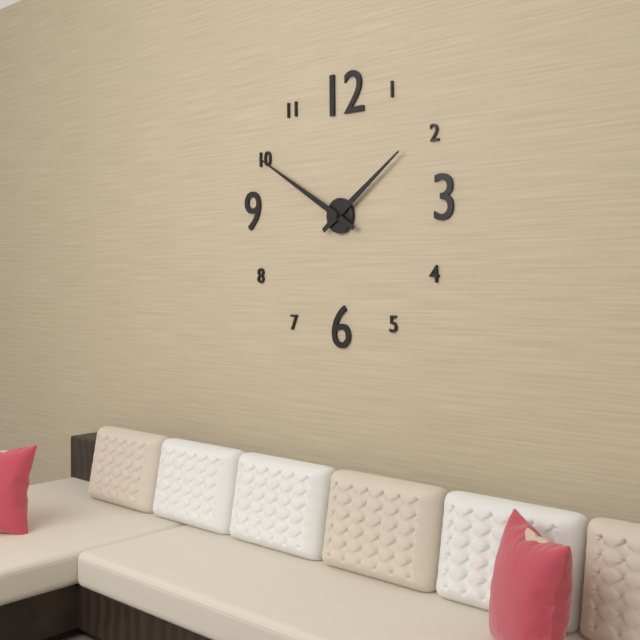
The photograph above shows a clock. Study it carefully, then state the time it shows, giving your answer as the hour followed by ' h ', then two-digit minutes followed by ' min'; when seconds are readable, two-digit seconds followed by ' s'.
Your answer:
1 h 50 min
